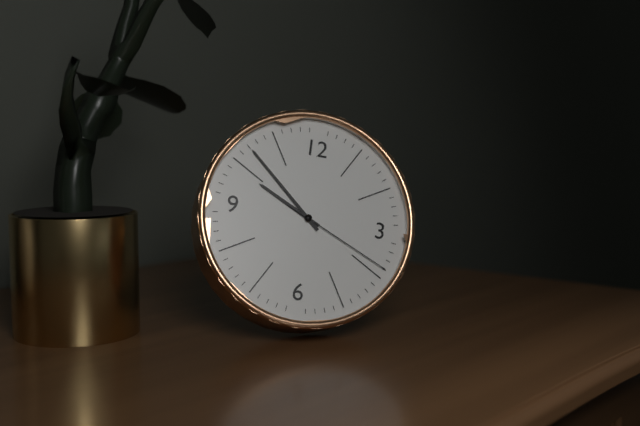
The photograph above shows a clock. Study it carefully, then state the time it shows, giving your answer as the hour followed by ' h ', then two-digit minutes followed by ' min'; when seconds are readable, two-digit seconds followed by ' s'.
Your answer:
9 h 52 min 19 s
